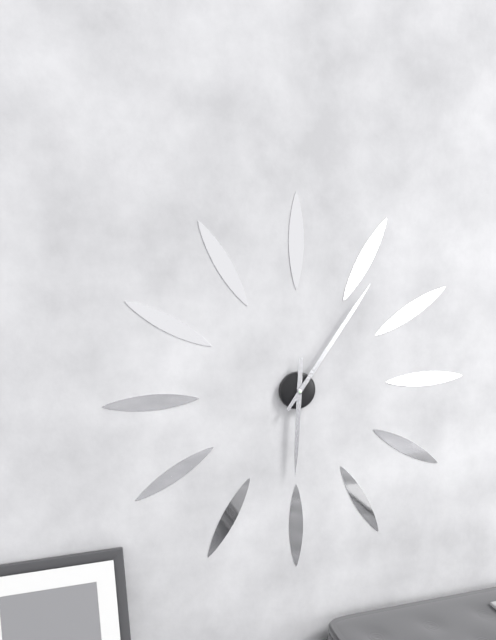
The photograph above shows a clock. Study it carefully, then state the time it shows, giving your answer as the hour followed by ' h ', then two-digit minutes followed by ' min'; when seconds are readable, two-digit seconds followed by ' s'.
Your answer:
6 h 06 min
